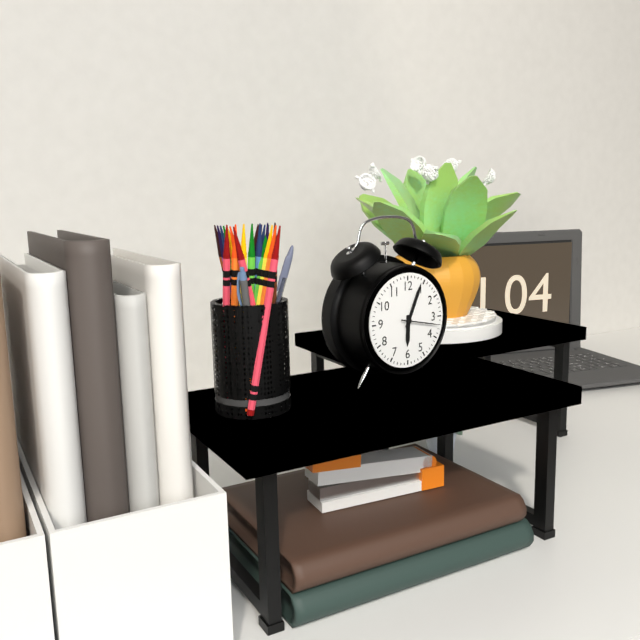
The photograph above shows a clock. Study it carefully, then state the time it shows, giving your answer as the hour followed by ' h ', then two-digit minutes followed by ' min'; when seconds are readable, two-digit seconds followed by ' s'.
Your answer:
6 h 04 min
